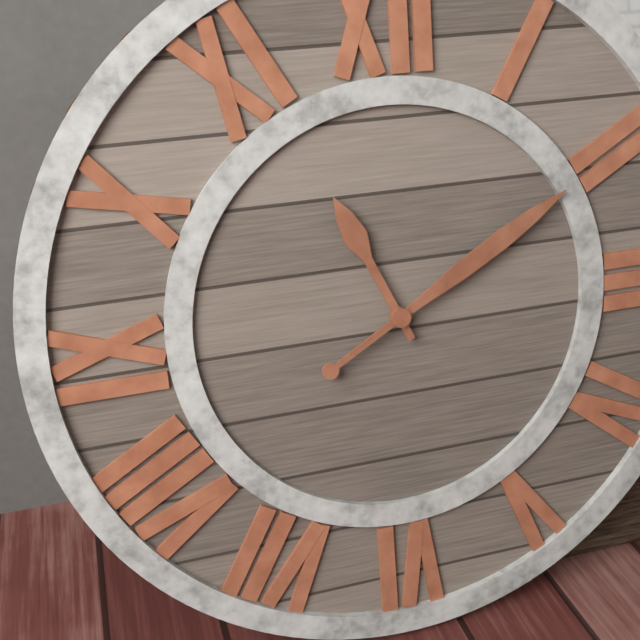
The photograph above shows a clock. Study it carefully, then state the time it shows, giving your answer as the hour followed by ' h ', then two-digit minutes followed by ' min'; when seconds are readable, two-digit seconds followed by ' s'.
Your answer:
11 h 10 min
